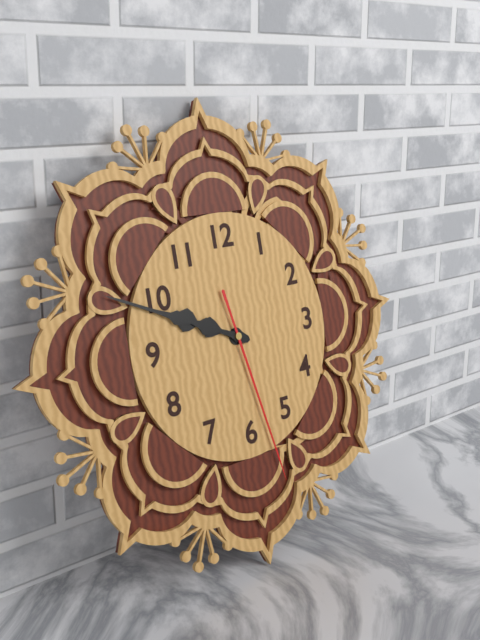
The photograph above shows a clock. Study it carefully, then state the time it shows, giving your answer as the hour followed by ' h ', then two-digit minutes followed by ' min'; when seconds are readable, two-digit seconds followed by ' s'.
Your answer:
9 h 49 min 28 s
